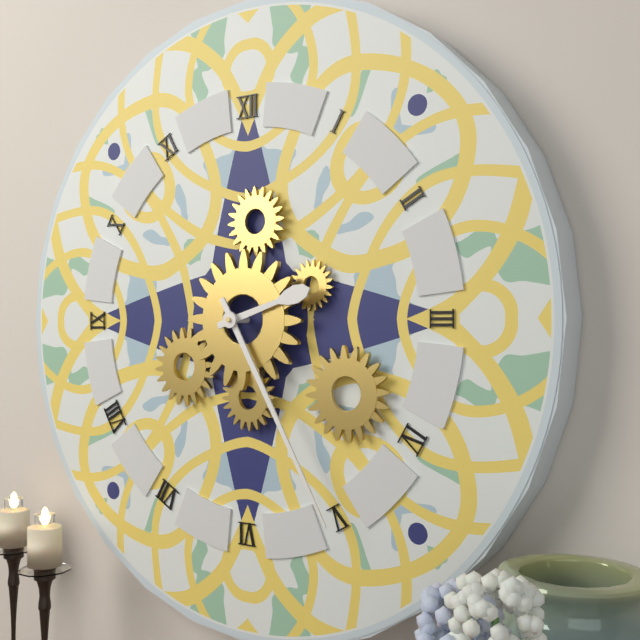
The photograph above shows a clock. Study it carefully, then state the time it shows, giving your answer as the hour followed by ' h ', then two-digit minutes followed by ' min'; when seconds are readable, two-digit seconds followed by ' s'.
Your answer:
2 h 25 min
